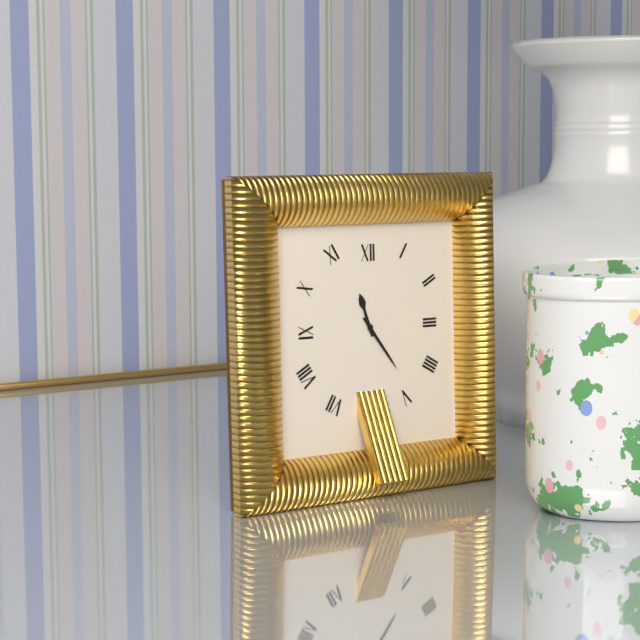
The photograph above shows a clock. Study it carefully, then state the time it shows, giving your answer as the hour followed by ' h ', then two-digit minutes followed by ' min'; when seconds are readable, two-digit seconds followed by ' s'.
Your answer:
11 h 24 min
